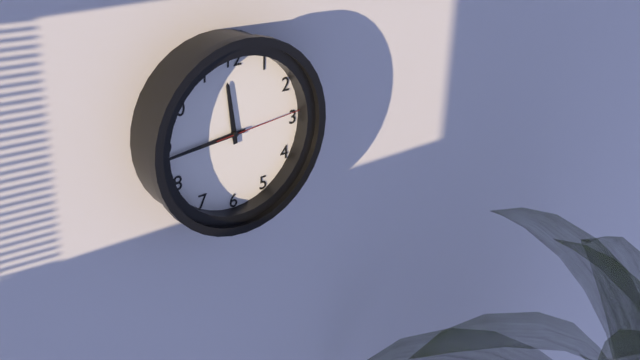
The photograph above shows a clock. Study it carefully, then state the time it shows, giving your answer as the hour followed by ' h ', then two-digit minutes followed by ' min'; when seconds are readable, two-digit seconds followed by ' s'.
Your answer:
11 h 44 min 14 s
